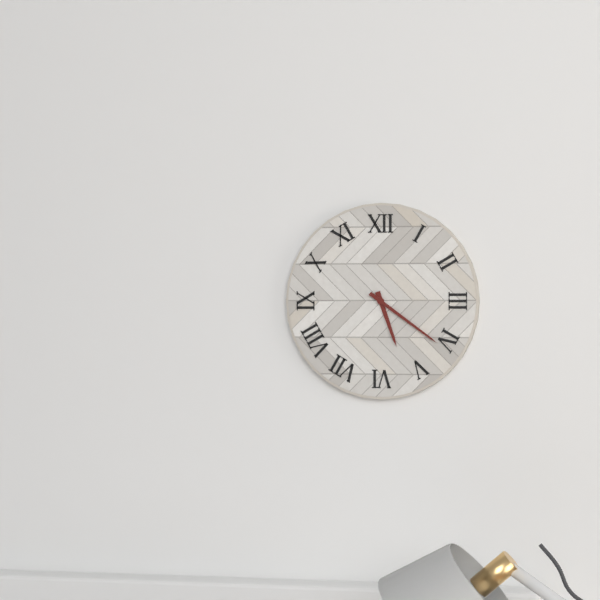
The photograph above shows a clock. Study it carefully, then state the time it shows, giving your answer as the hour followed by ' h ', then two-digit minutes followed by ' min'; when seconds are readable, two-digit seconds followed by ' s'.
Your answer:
5 h 21 min
